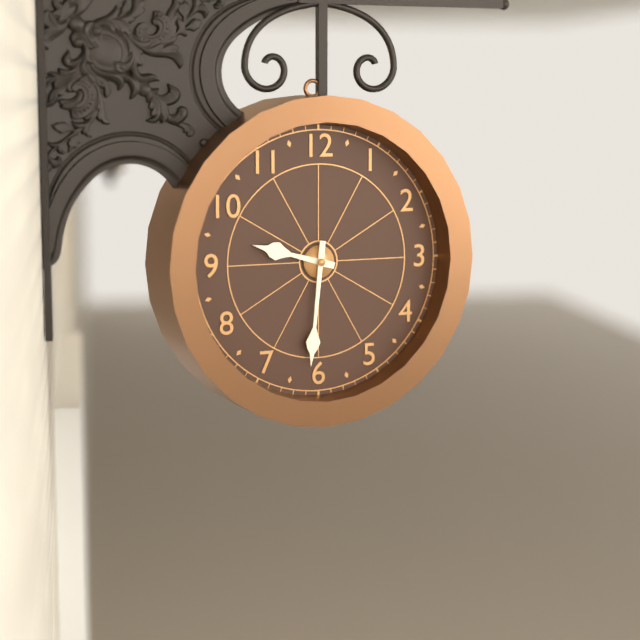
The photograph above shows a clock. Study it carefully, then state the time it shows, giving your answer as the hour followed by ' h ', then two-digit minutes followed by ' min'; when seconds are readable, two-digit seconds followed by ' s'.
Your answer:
9 h 31 min
